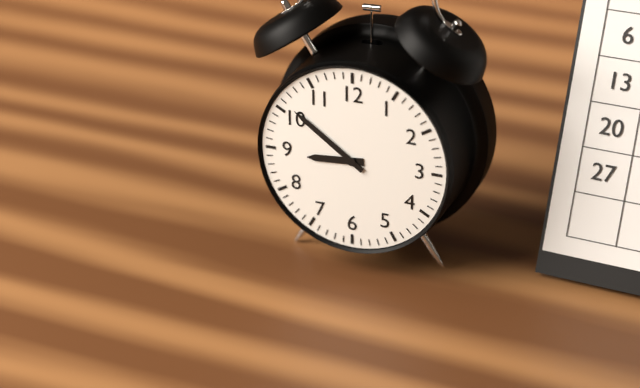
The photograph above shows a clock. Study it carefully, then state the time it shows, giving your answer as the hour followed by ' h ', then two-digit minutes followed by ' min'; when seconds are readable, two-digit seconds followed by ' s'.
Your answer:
8 h 51 min
